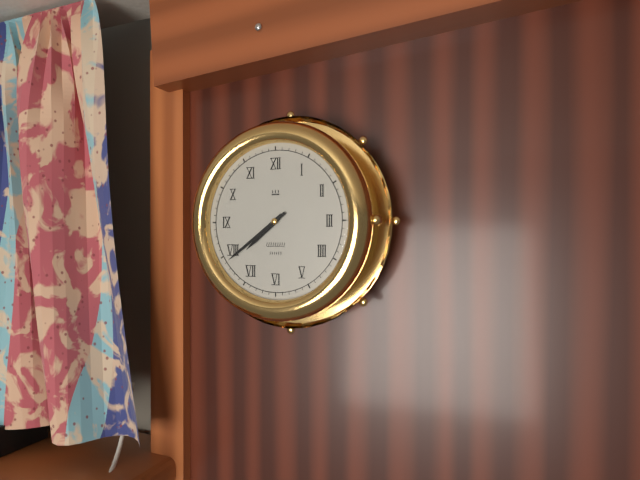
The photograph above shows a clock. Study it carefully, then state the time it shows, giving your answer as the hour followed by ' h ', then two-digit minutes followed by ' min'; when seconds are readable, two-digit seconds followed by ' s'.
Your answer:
7 h 39 min
